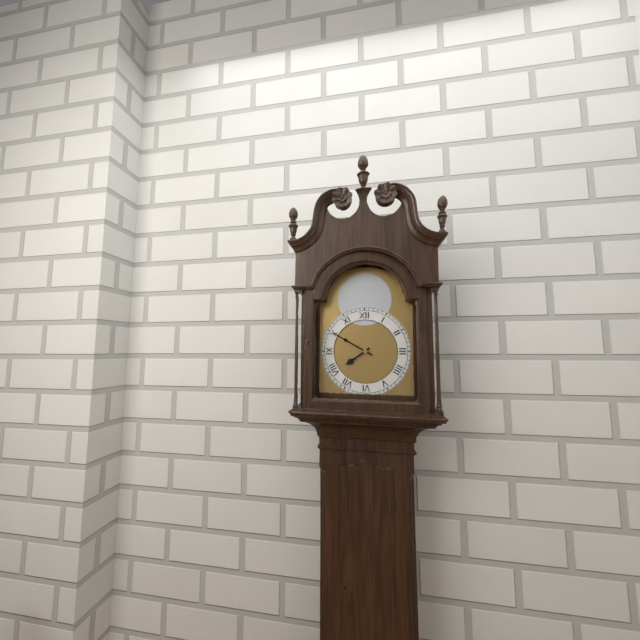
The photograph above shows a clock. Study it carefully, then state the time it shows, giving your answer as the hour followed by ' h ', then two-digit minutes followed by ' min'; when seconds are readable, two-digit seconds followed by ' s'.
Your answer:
7 h 50 min
